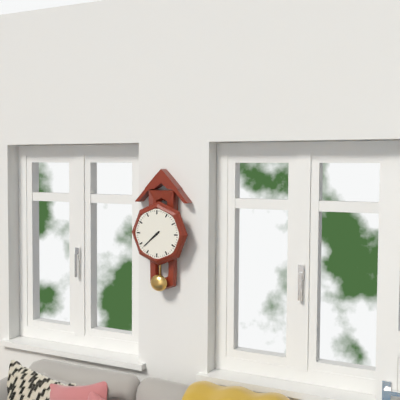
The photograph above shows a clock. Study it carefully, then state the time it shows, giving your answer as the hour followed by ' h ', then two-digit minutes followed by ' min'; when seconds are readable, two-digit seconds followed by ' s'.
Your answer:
7 h 38 min
